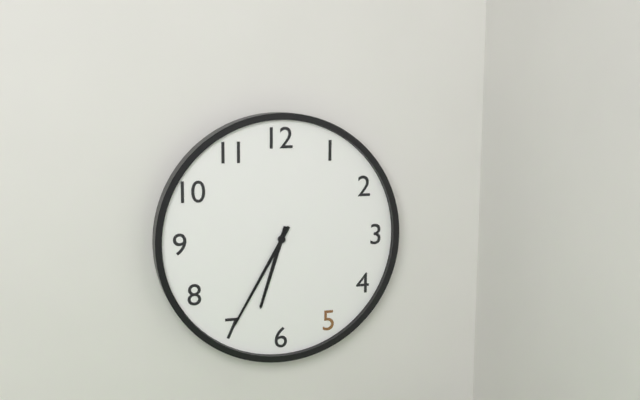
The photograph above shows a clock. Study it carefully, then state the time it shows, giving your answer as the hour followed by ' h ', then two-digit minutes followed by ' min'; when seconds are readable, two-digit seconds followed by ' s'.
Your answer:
6 h 35 min
